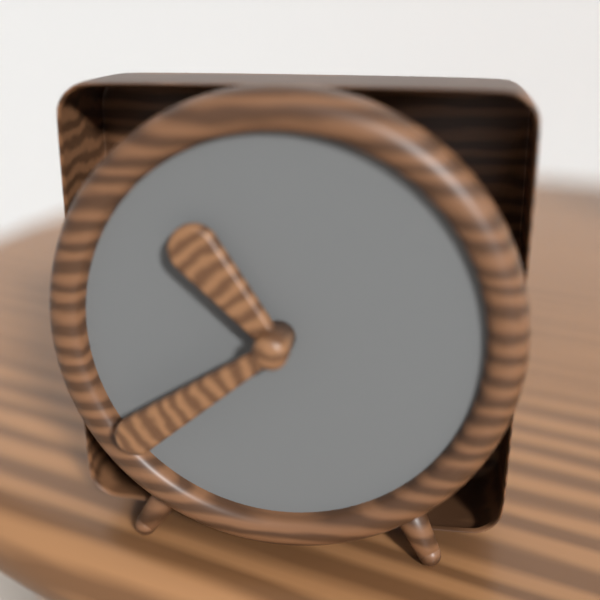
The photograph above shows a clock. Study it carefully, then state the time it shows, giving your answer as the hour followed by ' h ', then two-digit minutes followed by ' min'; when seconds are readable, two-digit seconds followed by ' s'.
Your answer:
10 h 39 min
